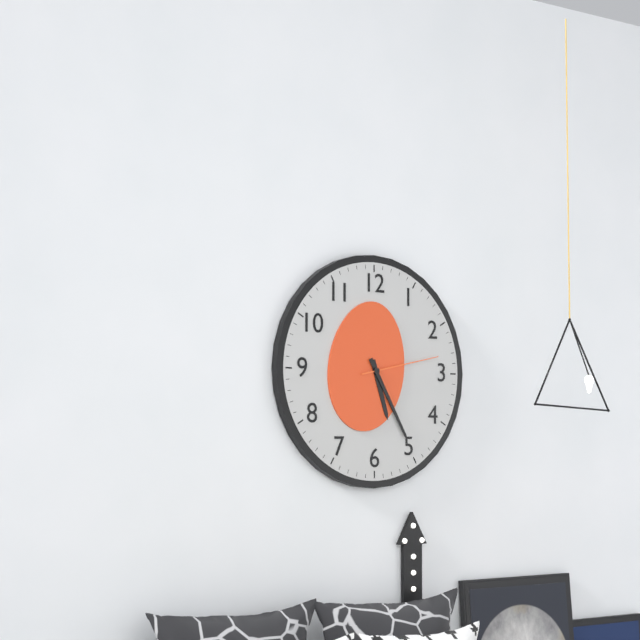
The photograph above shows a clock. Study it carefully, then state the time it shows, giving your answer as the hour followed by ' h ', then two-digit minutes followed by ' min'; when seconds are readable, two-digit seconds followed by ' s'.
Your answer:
5 h 25 min 13 s
